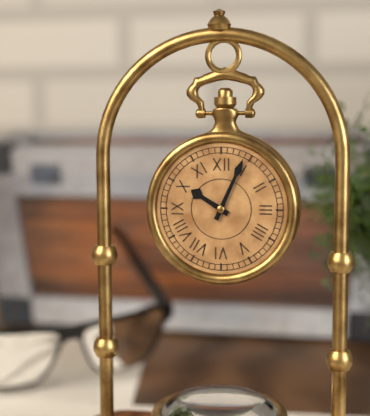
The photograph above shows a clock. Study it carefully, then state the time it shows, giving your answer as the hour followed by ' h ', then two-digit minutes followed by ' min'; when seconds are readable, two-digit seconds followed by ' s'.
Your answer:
10 h 04 min
